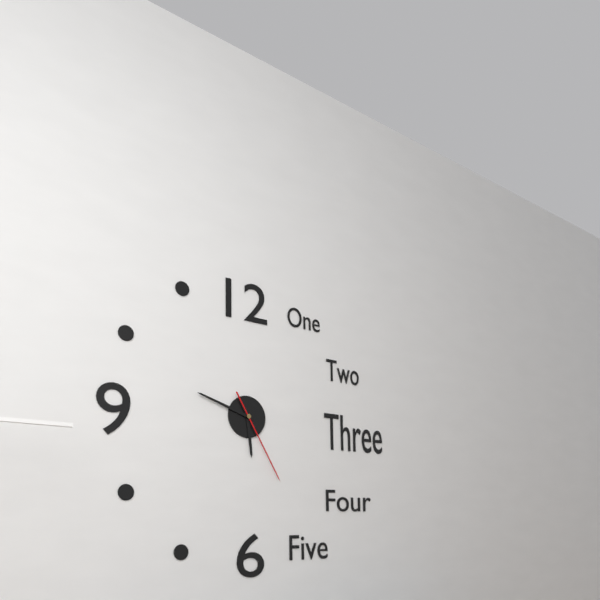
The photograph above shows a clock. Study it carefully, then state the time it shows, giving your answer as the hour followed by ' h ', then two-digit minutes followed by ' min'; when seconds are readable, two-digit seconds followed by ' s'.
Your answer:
5 h 48 min 25 s
